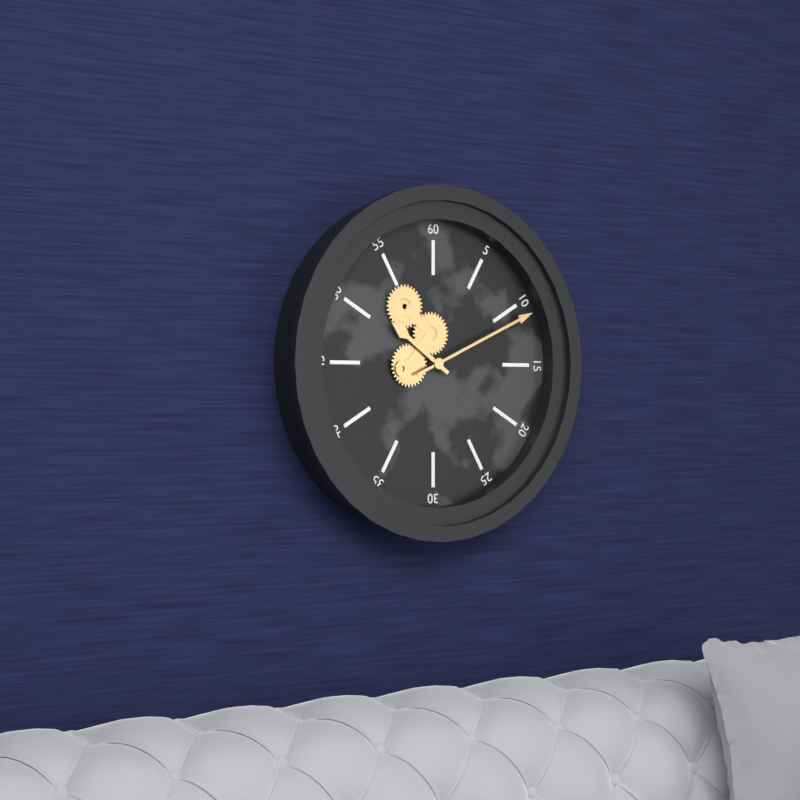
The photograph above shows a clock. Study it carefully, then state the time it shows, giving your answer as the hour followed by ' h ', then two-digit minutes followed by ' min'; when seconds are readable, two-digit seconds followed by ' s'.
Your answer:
10 h 11 min
